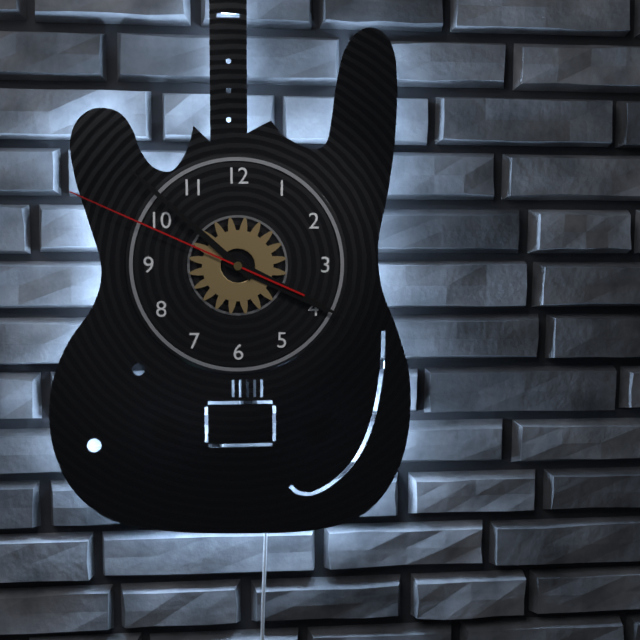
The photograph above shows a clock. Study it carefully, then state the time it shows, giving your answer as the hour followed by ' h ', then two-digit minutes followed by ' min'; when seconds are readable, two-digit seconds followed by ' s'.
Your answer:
3 h 52 min 49 s
